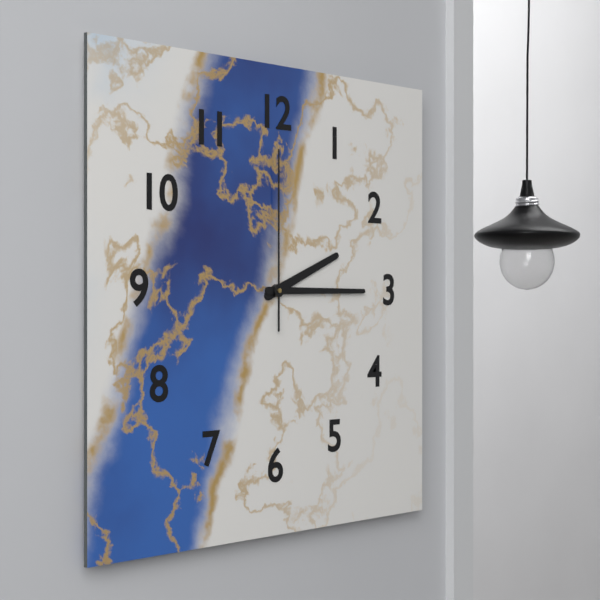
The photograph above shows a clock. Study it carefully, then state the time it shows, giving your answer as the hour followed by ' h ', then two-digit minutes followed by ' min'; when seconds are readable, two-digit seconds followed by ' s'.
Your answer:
2 h 15 min 00 s
